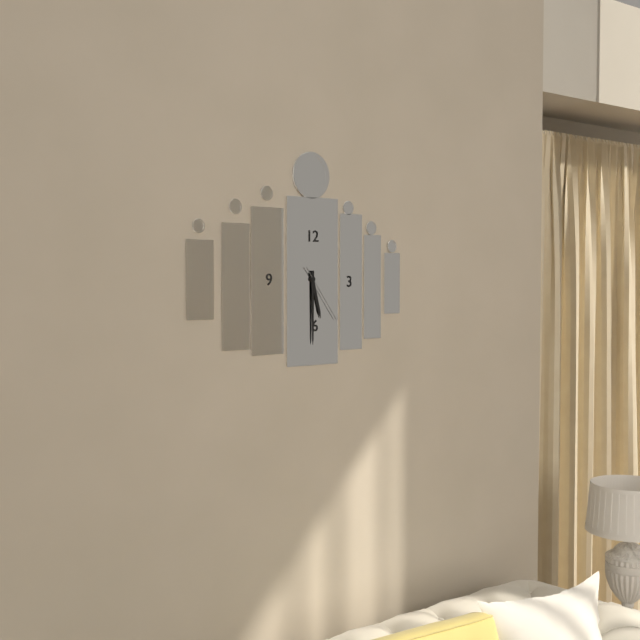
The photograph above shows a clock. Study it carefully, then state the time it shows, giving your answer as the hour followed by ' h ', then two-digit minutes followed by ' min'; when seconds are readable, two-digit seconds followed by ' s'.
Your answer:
5 h 30 min 24 s
